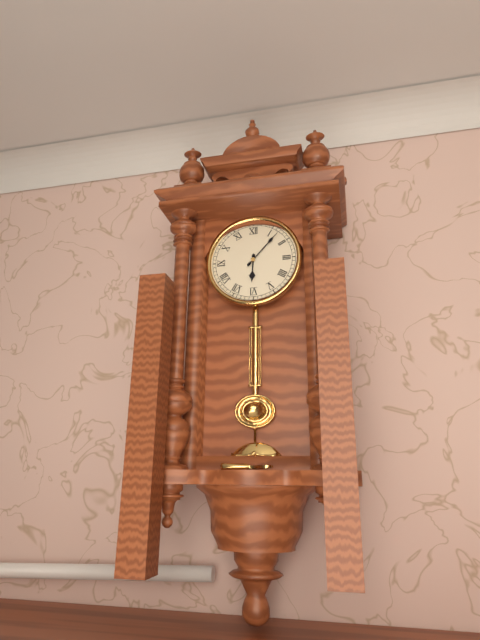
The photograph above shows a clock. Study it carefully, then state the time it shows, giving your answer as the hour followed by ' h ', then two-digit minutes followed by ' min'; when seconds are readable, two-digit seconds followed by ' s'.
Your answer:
6 h 07 min
